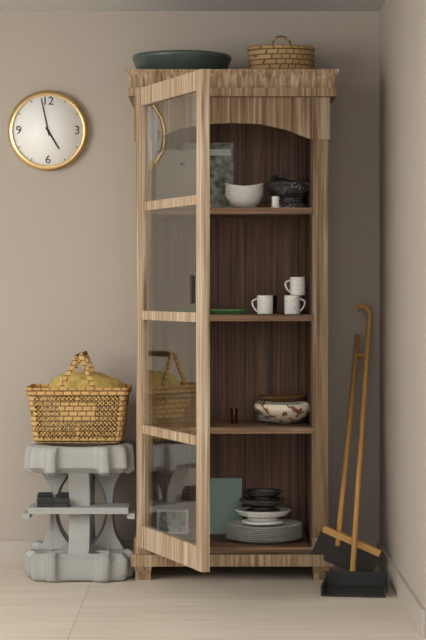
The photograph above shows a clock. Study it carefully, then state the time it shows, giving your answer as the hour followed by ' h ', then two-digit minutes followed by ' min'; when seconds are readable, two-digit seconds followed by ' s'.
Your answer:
4 h 58 min
